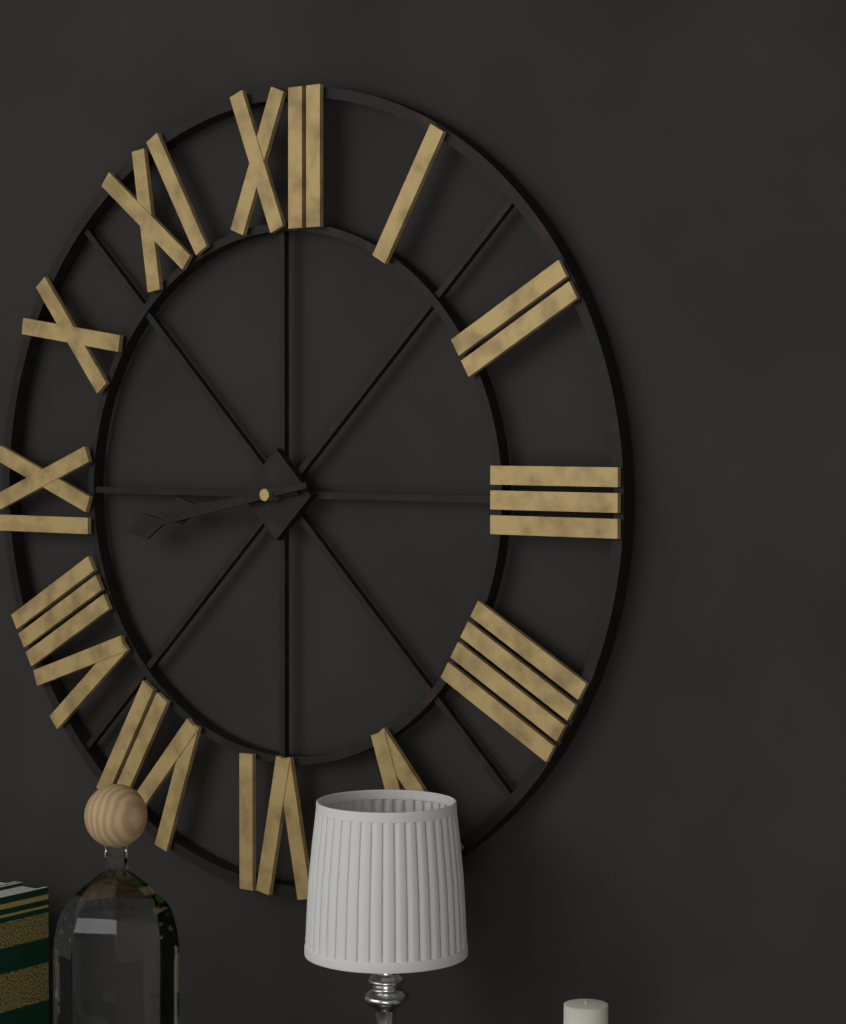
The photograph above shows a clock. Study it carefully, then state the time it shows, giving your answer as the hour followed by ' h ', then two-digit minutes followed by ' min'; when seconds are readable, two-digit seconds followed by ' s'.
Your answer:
8 h 43 min
